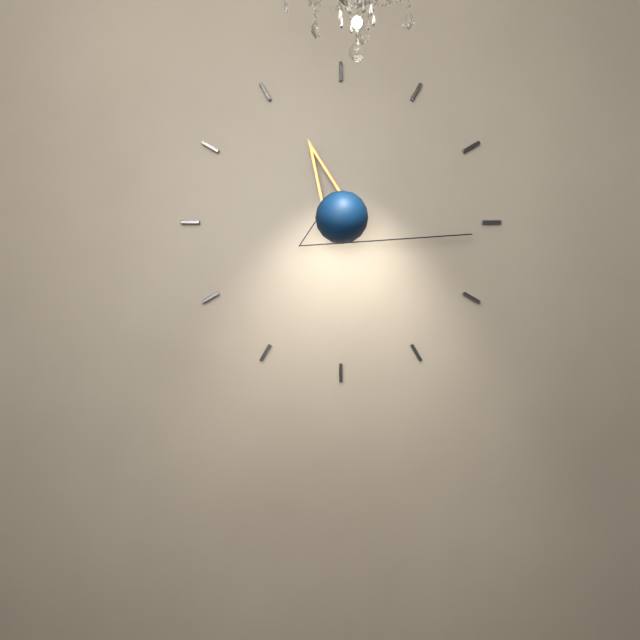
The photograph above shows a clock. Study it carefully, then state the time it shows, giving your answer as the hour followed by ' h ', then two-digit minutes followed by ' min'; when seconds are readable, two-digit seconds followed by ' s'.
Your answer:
11 h 16 min
